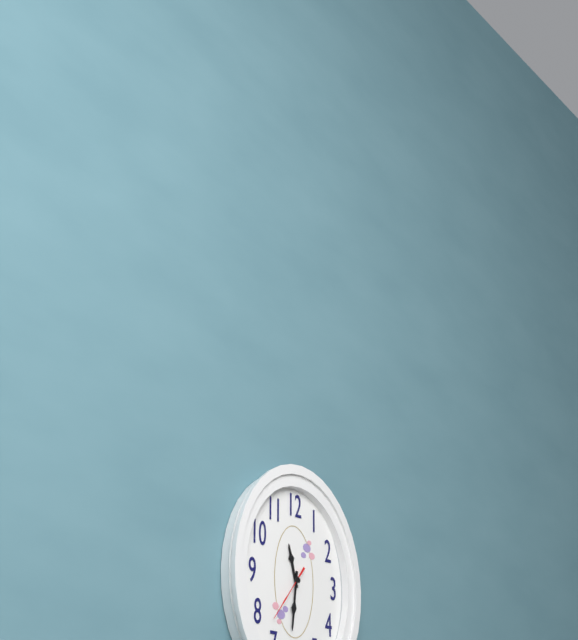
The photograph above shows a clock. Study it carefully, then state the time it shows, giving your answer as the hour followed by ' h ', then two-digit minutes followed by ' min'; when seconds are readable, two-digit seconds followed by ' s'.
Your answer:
11 h 31 min 36 s
